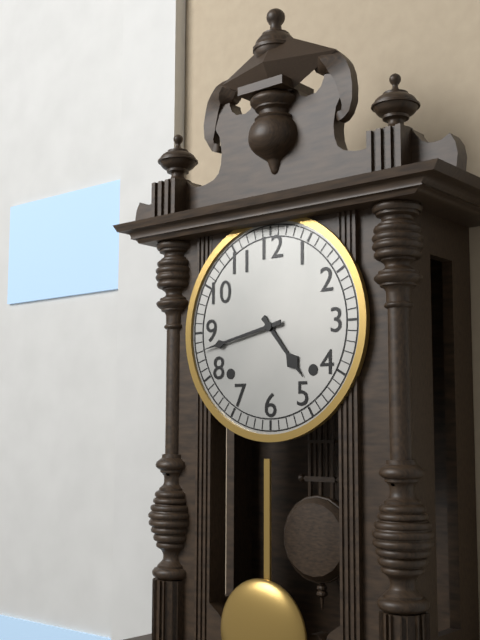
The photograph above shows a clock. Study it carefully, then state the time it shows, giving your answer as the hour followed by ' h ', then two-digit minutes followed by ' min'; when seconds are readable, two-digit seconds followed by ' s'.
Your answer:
4 h 43 min
